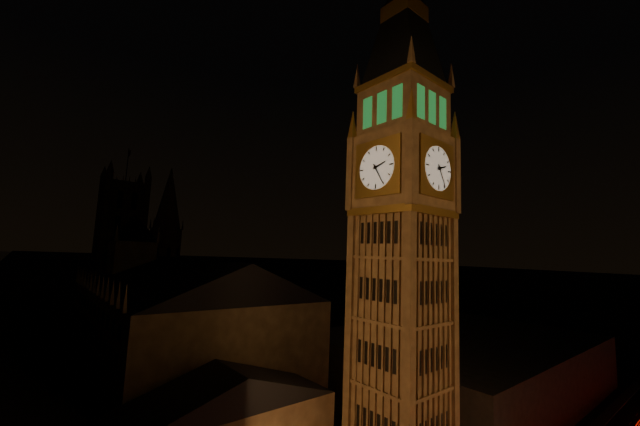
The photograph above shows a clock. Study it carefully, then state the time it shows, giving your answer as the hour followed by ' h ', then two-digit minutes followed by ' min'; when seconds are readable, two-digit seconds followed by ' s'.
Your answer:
2 h 25 min
